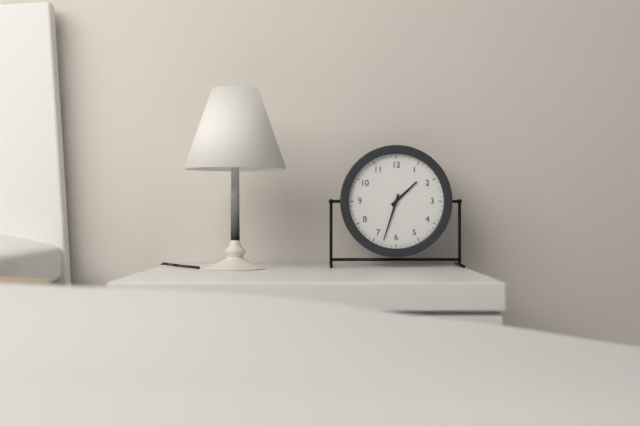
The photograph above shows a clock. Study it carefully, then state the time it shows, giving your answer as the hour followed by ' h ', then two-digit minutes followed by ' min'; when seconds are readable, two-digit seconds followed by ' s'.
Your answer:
1 h 33 min
